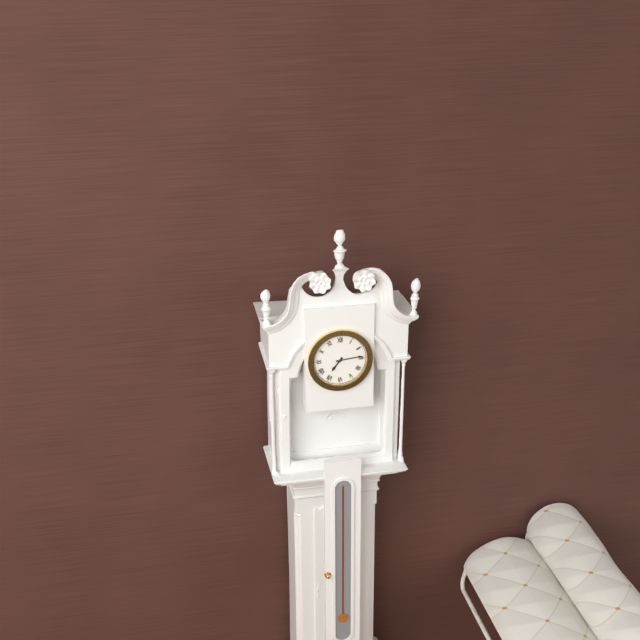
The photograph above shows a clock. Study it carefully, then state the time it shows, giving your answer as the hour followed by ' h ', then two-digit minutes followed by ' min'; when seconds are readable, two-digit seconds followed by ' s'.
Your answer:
7 h 14 min
